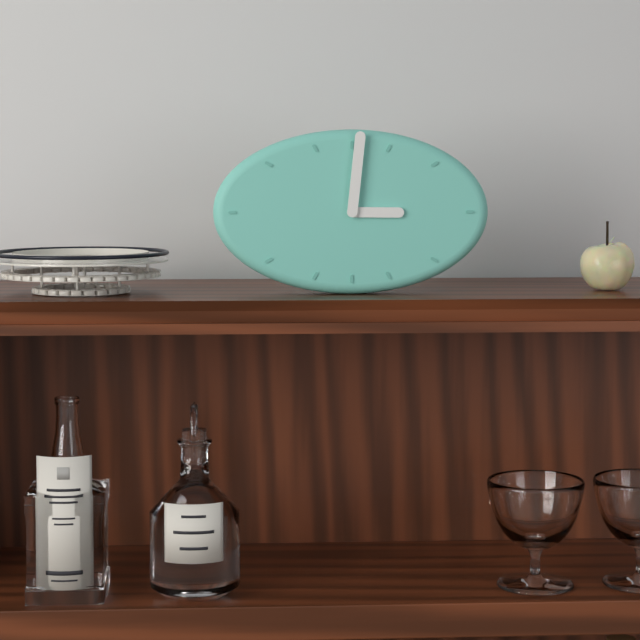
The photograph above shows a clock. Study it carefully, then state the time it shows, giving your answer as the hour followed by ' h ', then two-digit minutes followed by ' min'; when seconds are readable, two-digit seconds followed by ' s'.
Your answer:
3 h 01 min
